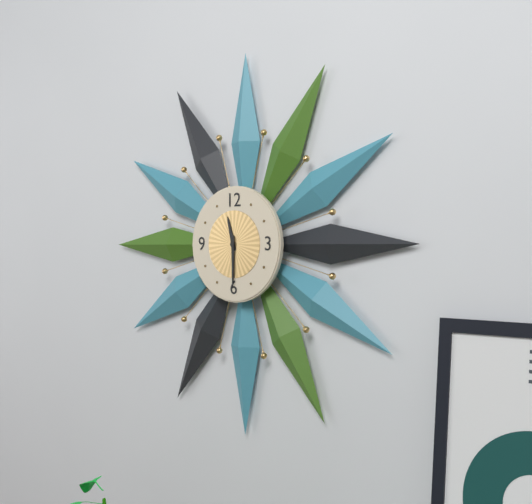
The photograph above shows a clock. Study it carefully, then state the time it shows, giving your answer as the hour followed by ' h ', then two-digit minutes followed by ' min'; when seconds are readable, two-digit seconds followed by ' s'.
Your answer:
11 h 30 min
